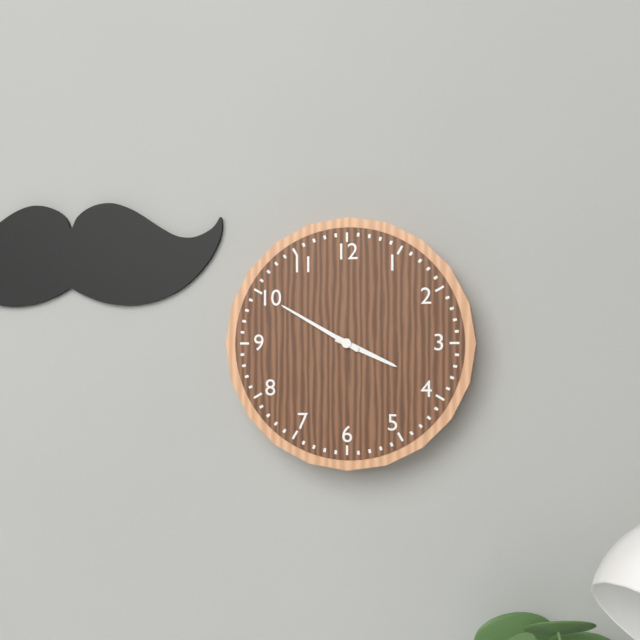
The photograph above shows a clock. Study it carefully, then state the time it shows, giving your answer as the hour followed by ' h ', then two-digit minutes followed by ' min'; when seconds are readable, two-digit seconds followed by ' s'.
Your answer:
3 h 50 min
